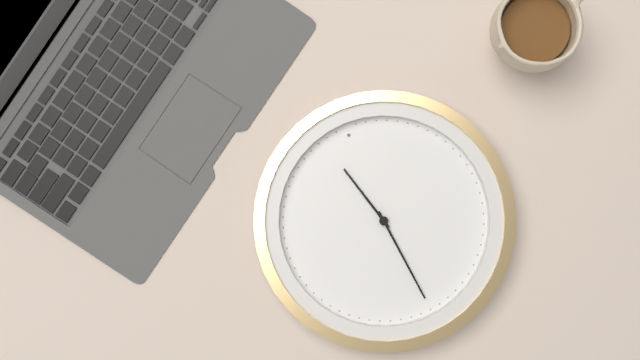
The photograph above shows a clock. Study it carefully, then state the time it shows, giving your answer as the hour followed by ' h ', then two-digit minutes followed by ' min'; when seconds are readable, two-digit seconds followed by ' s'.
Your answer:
11 h 29 min
